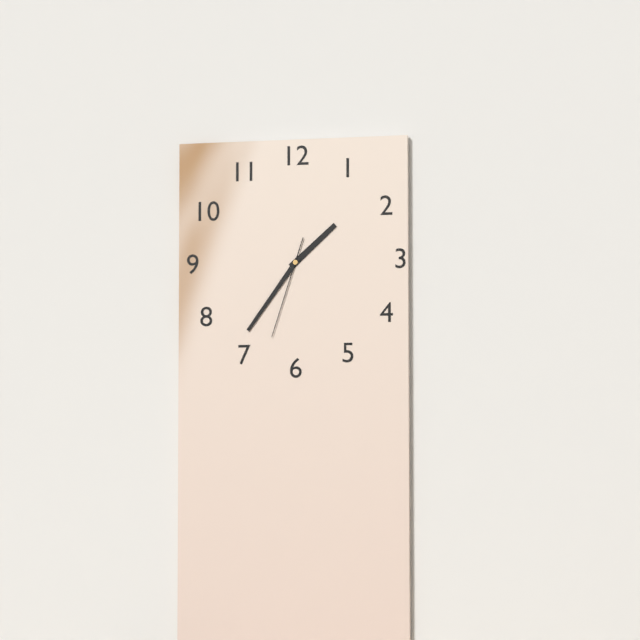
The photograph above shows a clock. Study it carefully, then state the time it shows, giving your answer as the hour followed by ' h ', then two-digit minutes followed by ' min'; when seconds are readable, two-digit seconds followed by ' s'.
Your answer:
1 h 36 min 33 s
